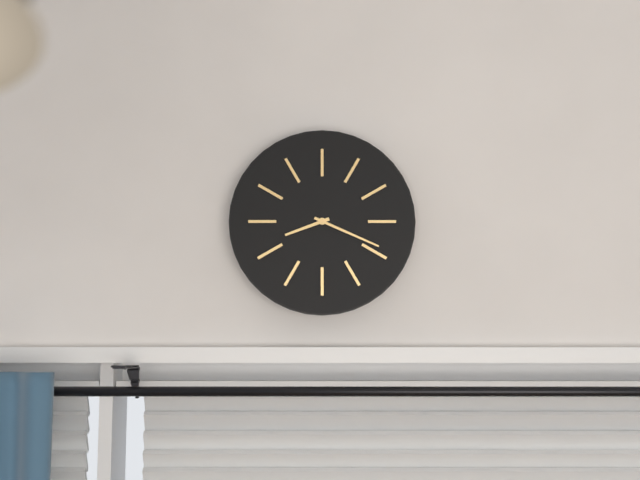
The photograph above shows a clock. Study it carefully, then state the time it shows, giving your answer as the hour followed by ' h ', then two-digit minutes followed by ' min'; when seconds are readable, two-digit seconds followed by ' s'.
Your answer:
8 h 19 min
